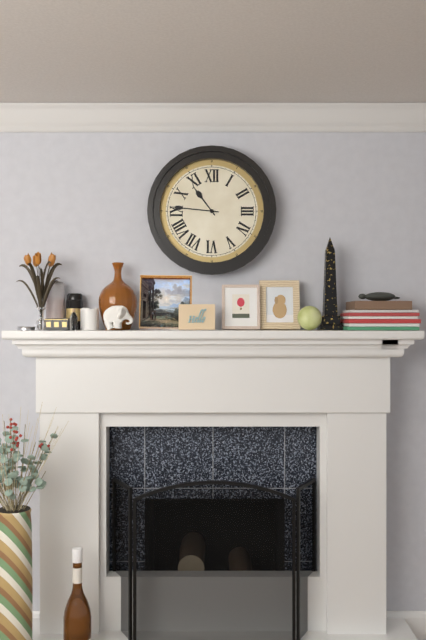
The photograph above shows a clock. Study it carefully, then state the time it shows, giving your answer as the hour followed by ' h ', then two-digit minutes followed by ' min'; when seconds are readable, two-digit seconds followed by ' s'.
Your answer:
10 h 46 min
